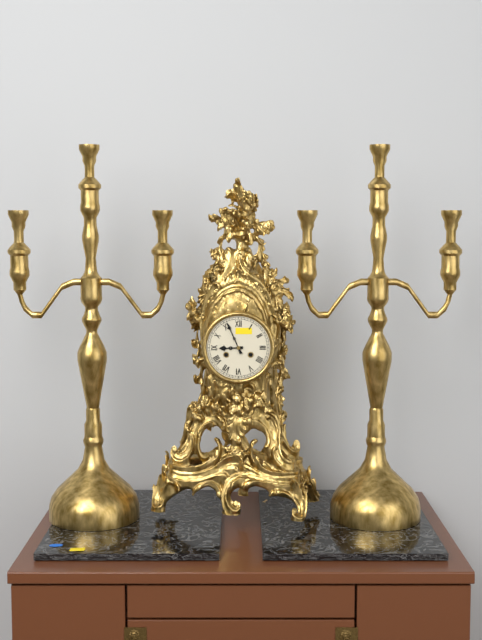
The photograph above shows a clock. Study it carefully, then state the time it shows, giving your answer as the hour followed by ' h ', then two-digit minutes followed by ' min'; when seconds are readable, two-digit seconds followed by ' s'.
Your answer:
8 h 56 min
